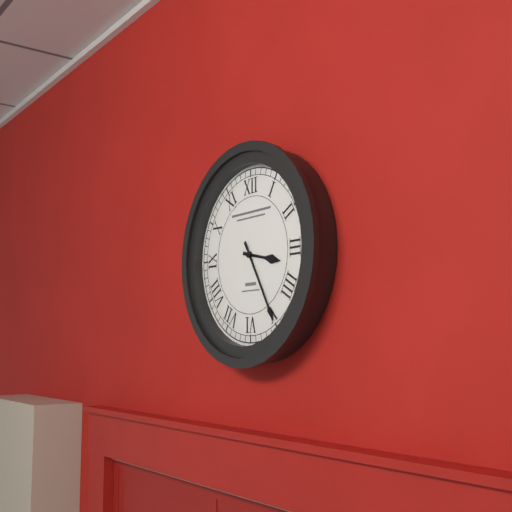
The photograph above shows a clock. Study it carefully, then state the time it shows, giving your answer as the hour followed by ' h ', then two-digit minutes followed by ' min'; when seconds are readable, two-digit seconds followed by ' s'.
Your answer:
3 h 25 min
